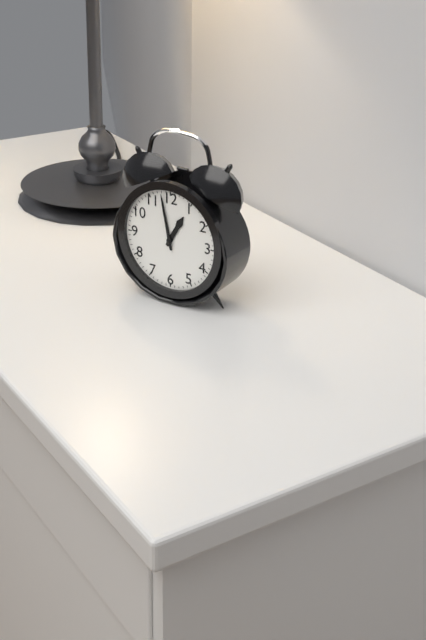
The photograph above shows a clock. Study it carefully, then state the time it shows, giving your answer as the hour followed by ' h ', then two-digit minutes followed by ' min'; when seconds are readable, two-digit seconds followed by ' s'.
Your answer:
12 h 58 min
